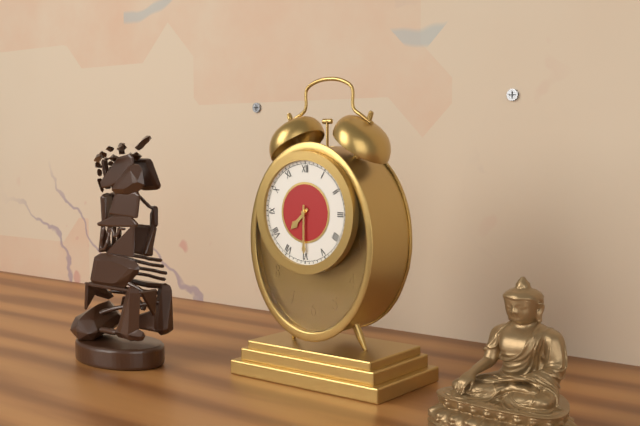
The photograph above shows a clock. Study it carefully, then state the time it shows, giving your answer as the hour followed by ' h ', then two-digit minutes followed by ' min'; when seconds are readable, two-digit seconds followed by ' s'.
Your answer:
7 h 30 min
